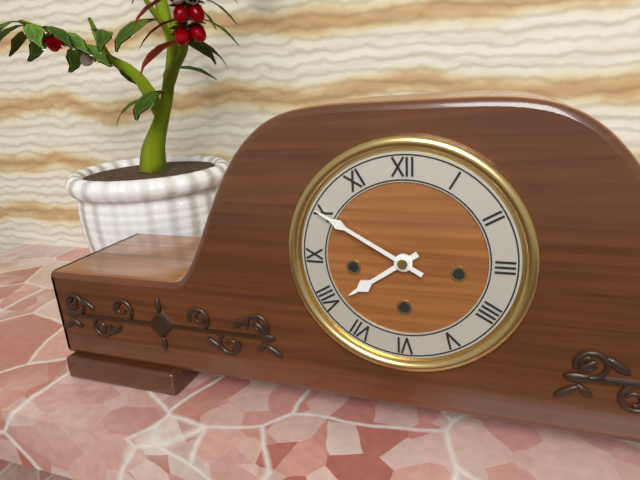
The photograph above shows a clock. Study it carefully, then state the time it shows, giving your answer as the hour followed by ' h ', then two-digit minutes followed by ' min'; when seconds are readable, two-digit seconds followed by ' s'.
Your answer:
7 h 50 min
